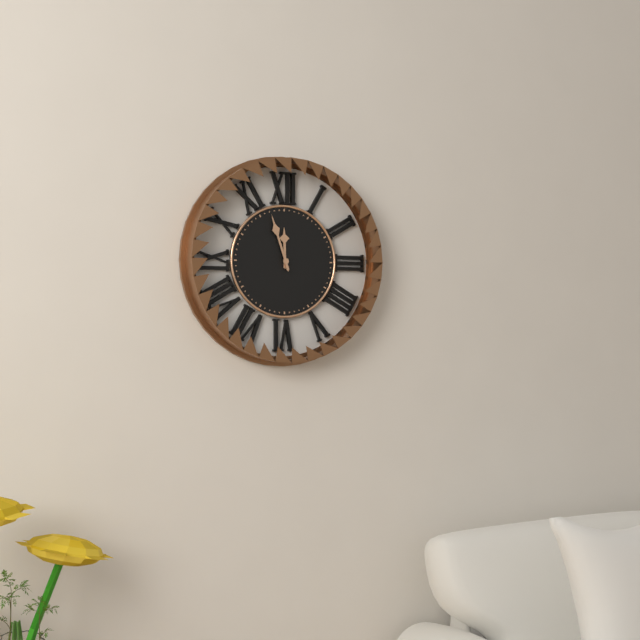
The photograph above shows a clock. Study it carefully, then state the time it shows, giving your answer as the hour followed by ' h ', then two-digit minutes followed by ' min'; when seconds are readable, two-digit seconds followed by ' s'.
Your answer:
11 h 57 min
